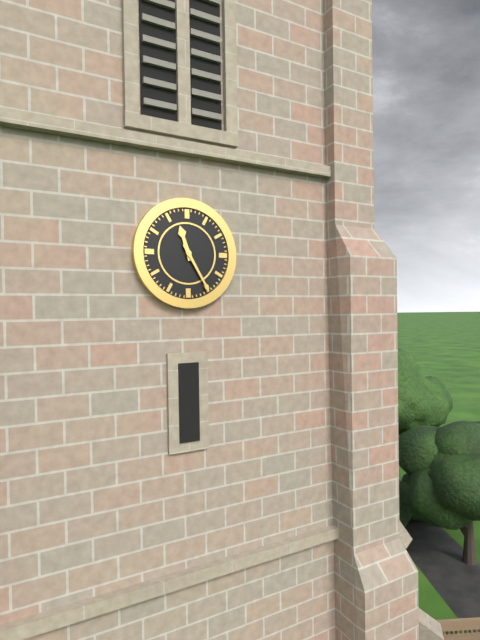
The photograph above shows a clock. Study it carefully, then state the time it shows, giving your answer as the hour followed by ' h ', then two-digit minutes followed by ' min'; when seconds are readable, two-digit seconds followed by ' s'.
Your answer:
11 h 25 min
